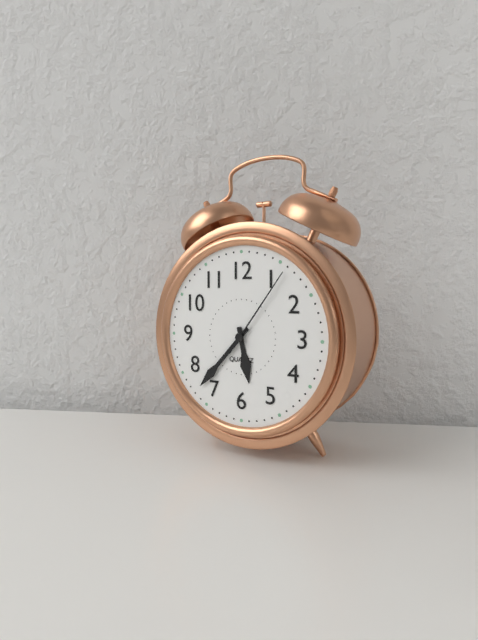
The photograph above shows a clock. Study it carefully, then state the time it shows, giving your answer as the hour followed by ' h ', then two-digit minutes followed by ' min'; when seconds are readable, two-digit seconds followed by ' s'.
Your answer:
5 h 37 min 06 s
